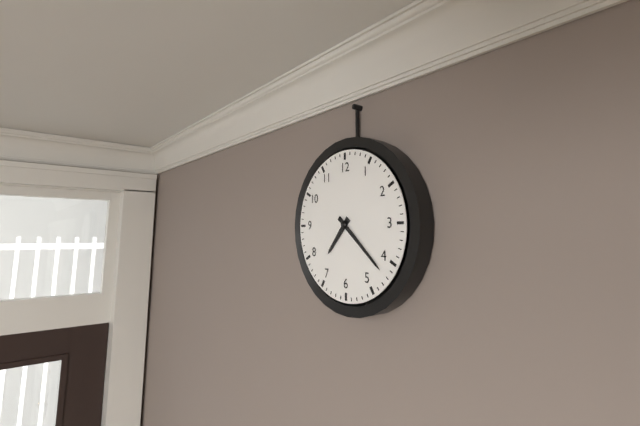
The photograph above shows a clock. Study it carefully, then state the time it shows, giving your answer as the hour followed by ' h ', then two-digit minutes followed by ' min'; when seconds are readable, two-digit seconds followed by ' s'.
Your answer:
7 h 22 min
